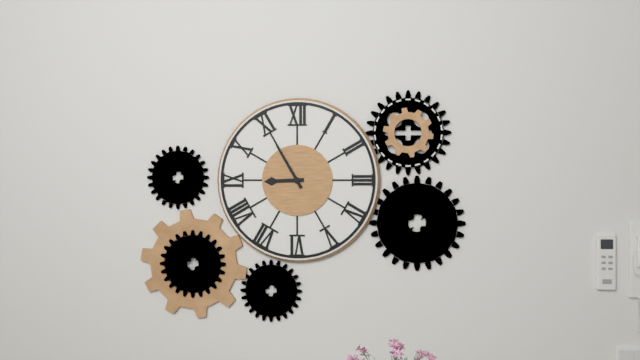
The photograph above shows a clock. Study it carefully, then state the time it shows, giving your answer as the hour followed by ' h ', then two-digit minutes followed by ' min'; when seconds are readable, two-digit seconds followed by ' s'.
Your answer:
8 h 55 min
